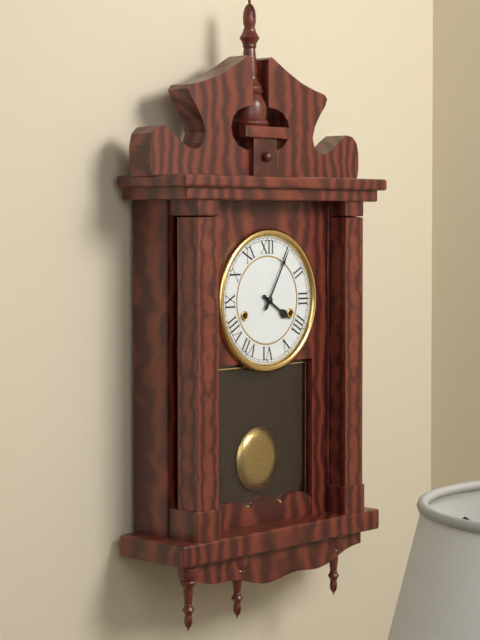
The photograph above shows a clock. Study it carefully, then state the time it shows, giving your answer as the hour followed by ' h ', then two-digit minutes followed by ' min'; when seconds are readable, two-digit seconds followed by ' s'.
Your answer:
4 h 05 min
